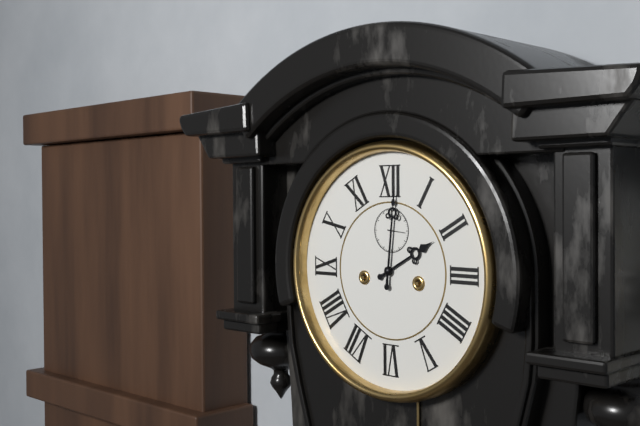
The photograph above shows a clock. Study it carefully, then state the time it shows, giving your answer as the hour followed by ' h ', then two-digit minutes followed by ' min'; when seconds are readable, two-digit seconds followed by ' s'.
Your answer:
2 h 01 min
